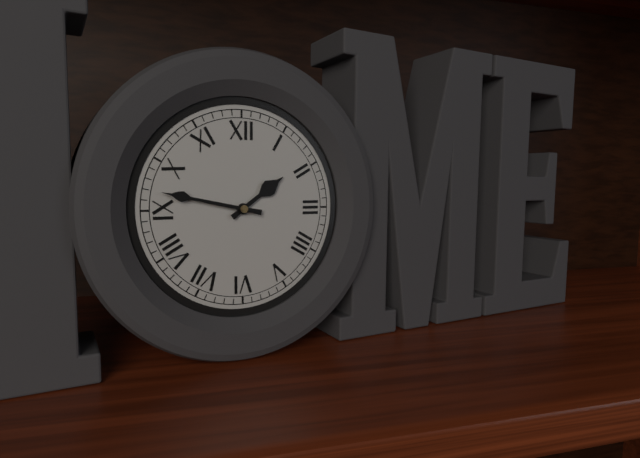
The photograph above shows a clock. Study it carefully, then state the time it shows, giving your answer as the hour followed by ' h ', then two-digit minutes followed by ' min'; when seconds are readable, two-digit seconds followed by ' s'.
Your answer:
1 h 47 min
